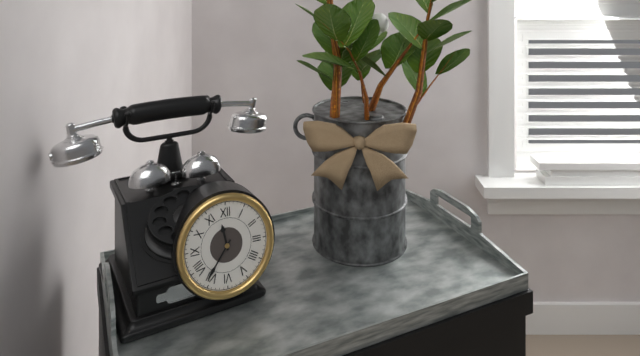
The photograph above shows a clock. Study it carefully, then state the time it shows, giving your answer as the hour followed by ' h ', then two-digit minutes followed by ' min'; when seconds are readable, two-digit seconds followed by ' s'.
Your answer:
11 h 36 min
